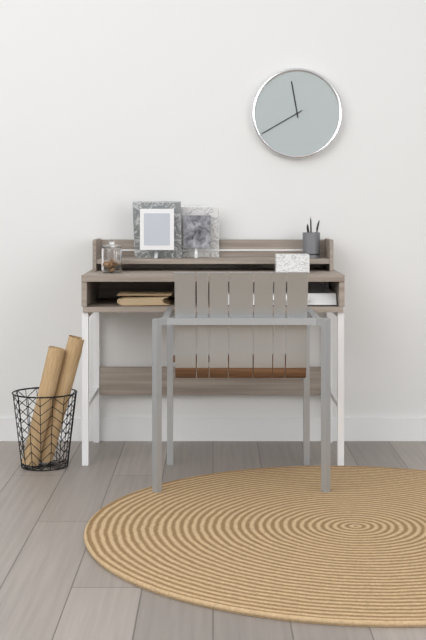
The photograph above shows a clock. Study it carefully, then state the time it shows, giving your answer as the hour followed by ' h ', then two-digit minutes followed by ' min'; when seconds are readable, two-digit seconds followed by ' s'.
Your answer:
11 h 40 min
